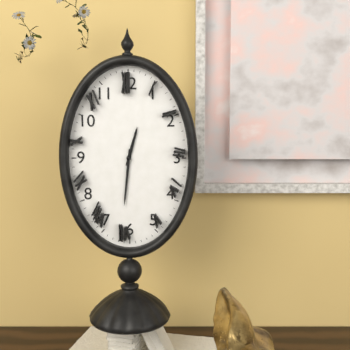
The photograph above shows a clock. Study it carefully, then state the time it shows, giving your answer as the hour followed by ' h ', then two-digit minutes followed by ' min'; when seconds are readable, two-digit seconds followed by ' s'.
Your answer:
12 h 31 min
